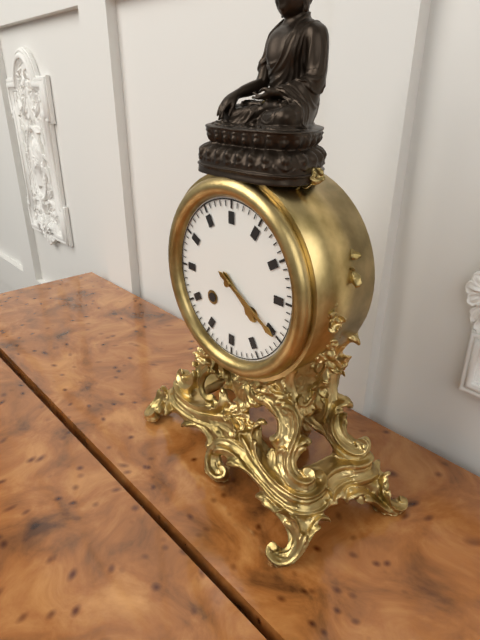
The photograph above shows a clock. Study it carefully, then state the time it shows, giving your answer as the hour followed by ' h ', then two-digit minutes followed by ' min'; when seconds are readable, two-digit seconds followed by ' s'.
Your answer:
4 h 20 min
